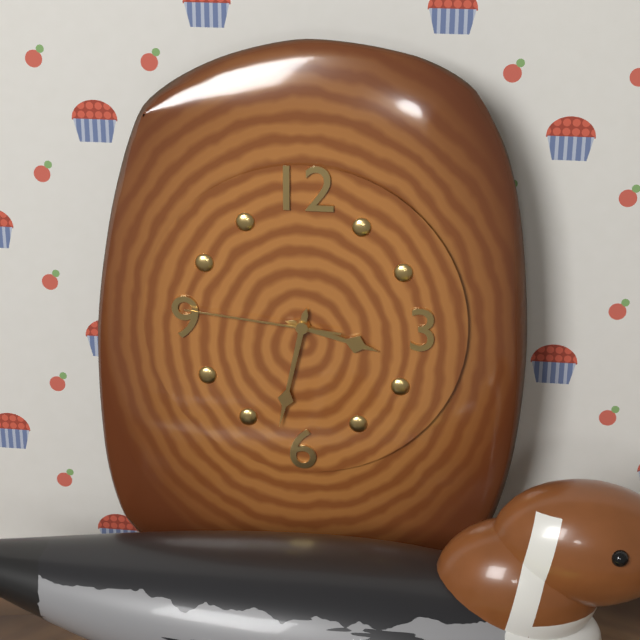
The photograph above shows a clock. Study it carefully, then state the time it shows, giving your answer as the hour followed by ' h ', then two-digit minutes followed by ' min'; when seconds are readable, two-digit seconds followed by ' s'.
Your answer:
3 h 32 min 46 s
